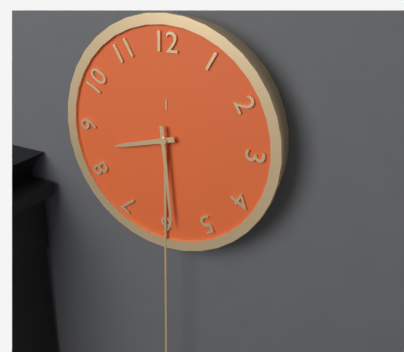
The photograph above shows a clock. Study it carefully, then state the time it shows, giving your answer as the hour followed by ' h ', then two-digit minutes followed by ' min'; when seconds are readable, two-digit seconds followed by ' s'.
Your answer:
8 h 29 min
